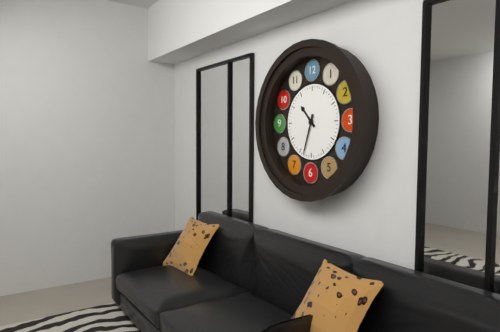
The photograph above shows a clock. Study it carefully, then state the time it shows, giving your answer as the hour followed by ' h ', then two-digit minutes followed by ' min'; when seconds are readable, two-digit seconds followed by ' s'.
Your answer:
10 h 33 min
